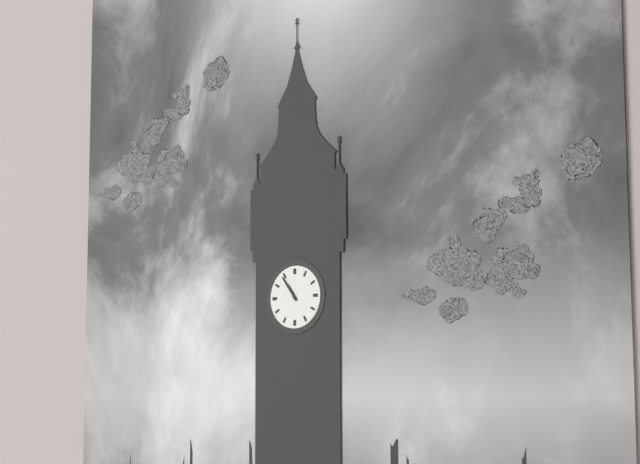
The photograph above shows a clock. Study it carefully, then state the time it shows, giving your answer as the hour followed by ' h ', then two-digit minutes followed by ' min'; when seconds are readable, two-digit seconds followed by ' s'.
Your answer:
10 h 54 min
